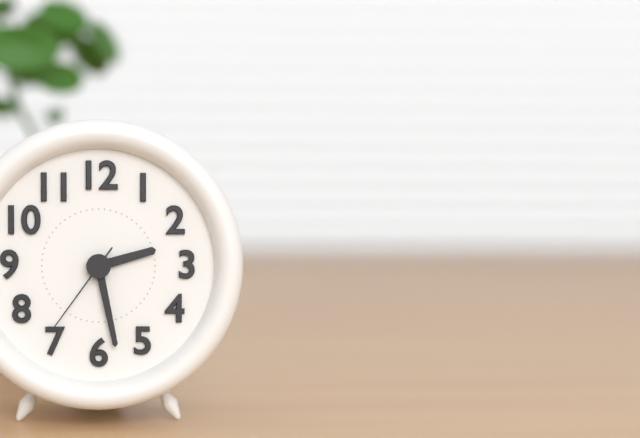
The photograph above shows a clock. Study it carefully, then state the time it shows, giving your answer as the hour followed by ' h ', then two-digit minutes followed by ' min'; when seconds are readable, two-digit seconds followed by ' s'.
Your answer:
2 h 28 min 36 s
